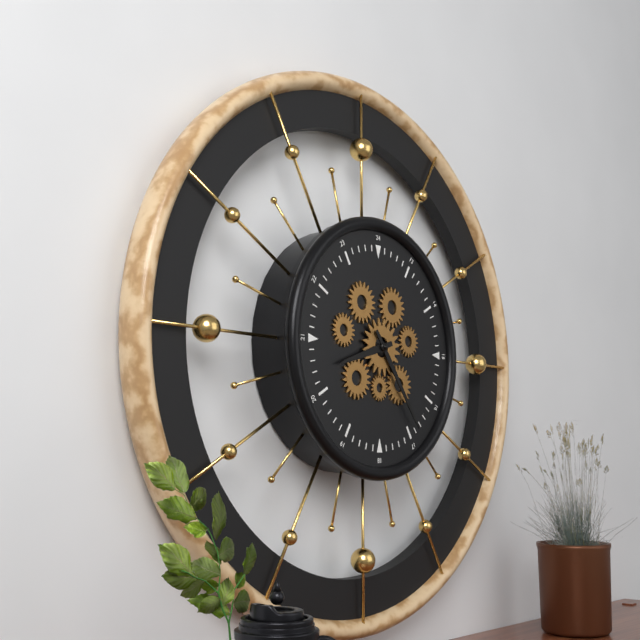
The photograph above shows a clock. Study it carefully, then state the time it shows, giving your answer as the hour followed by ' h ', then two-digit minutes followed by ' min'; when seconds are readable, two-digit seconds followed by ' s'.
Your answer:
8 h 24 min
